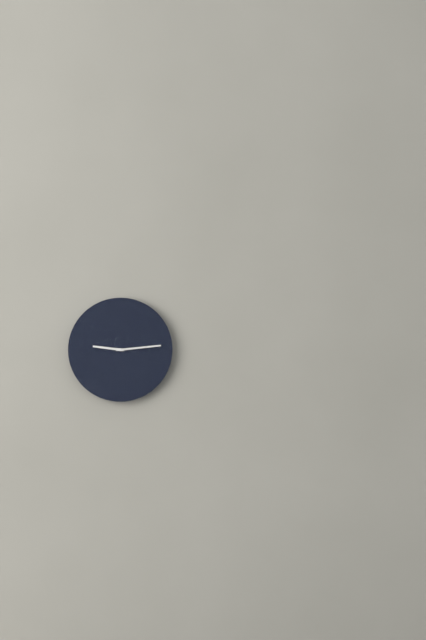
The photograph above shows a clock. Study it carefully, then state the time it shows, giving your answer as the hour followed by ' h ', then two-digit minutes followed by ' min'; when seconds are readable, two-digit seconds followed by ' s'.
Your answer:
9 h 14 min
